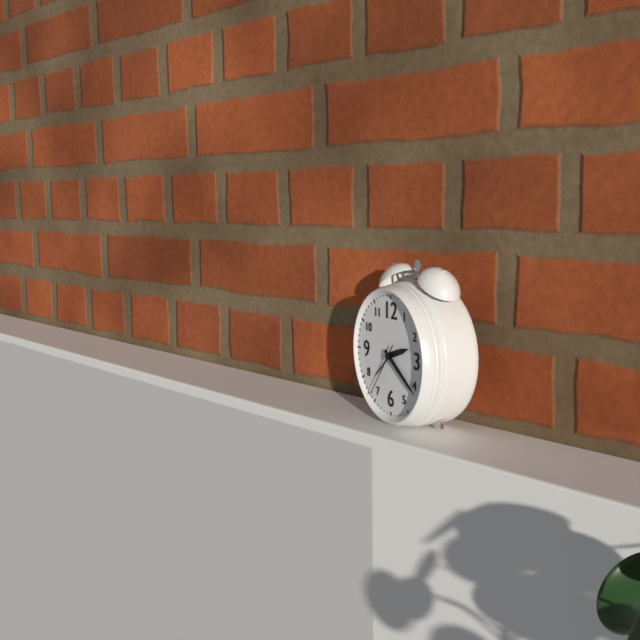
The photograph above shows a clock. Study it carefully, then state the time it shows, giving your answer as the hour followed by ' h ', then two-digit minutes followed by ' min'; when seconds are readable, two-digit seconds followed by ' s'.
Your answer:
2 h 21 min 36 s
